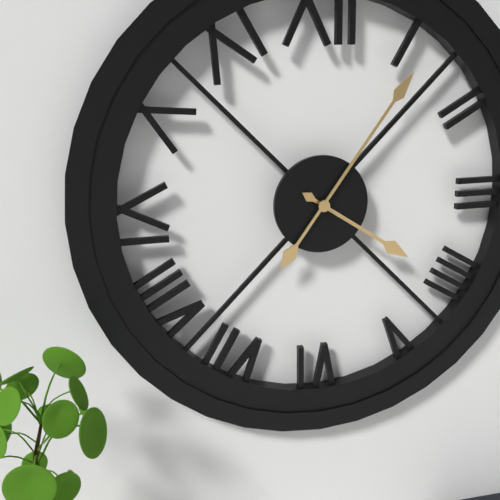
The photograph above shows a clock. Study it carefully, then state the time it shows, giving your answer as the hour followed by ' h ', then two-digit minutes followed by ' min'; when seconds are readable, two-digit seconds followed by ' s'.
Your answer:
4 h 06 min
